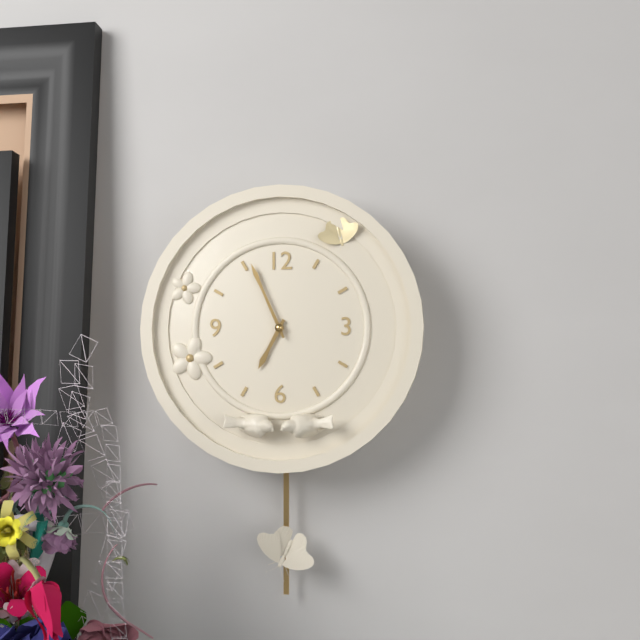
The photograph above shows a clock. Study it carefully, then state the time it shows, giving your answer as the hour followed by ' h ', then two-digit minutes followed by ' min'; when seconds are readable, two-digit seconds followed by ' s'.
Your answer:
6 h 56 min
